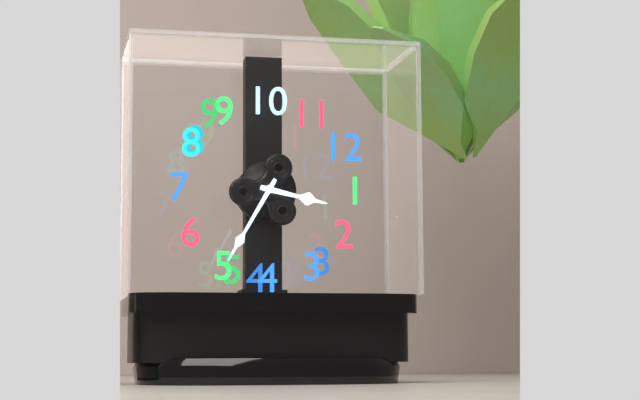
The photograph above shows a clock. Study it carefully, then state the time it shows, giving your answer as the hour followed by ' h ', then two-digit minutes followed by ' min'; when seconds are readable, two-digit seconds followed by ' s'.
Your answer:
1 h 25 min
